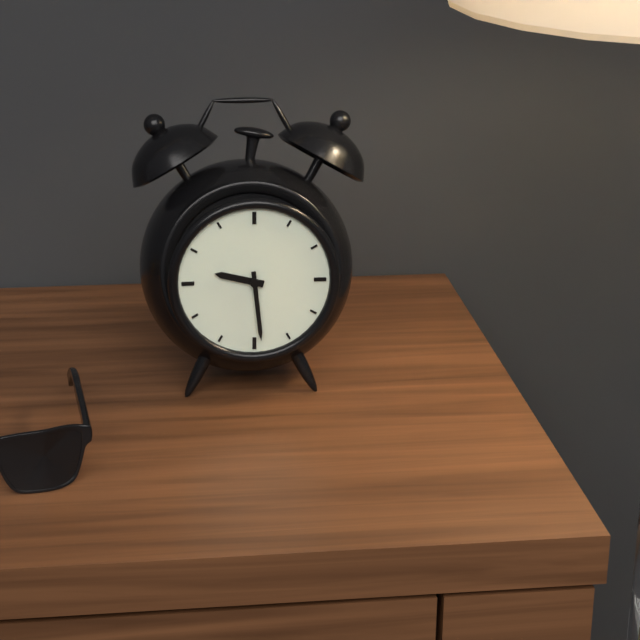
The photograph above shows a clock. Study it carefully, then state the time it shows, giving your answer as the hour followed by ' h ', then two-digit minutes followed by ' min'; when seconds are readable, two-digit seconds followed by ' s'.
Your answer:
9 h 29 min
